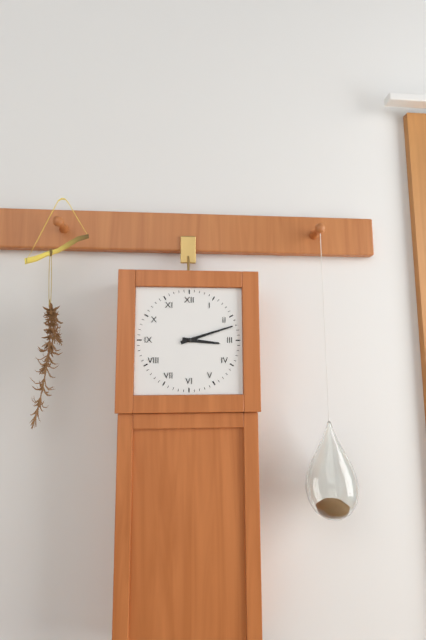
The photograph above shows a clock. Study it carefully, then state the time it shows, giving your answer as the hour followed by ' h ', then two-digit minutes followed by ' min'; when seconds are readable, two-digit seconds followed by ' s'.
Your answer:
3 h 12 min
